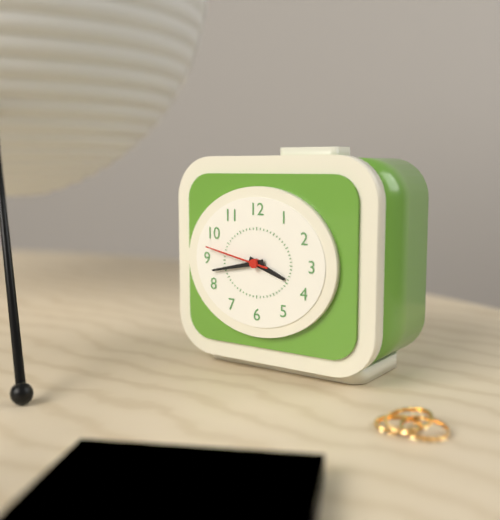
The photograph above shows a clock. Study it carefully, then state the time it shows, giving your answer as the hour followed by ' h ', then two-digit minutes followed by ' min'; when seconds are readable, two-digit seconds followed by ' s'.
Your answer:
3 h 43 min 47 s
